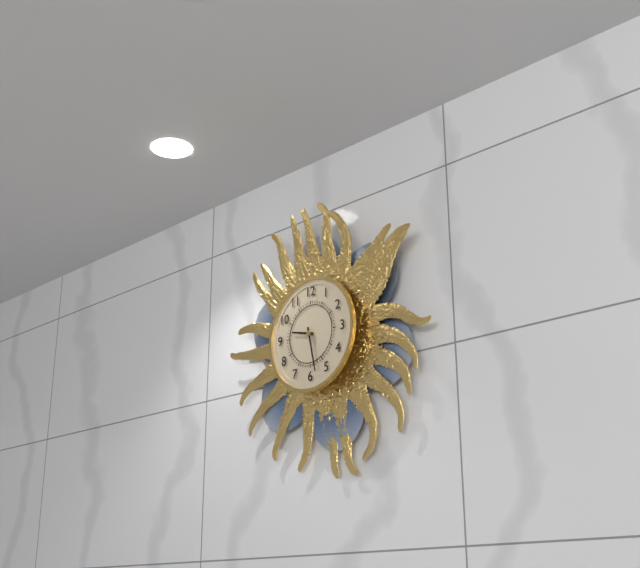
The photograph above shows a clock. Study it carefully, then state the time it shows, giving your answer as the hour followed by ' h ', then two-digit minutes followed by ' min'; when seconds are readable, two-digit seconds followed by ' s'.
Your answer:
9 h 28 min
